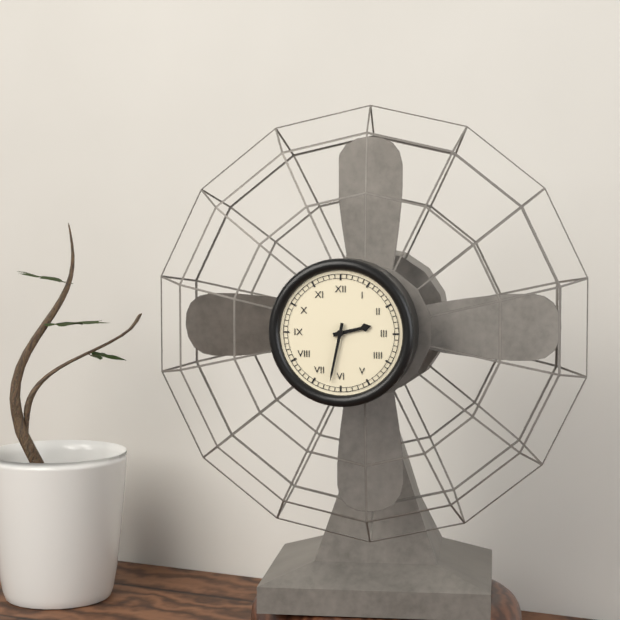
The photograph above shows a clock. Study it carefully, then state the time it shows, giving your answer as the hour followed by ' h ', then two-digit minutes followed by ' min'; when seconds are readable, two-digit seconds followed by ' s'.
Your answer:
2 h 32 min
